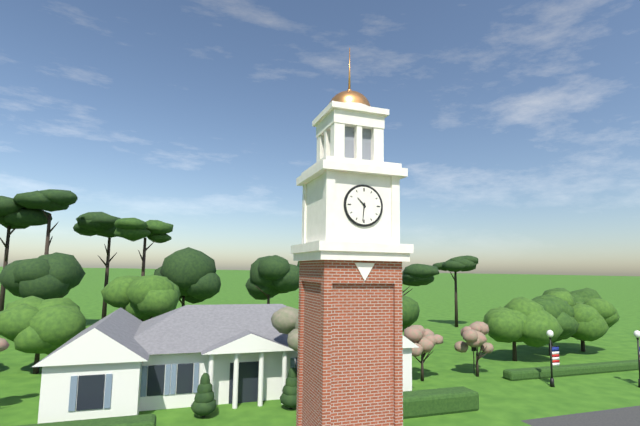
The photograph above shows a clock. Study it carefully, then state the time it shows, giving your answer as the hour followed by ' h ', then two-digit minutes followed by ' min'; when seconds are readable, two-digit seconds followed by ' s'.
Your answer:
10 h 31 min
